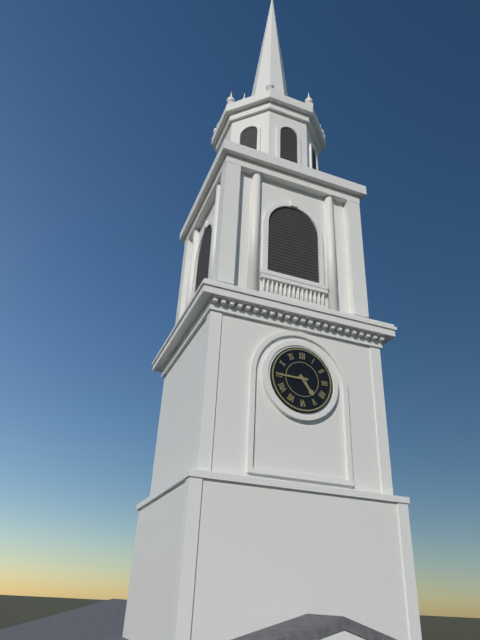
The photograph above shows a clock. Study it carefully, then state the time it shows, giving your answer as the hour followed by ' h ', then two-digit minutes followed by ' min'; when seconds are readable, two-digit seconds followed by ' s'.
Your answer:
4 h 45 min
